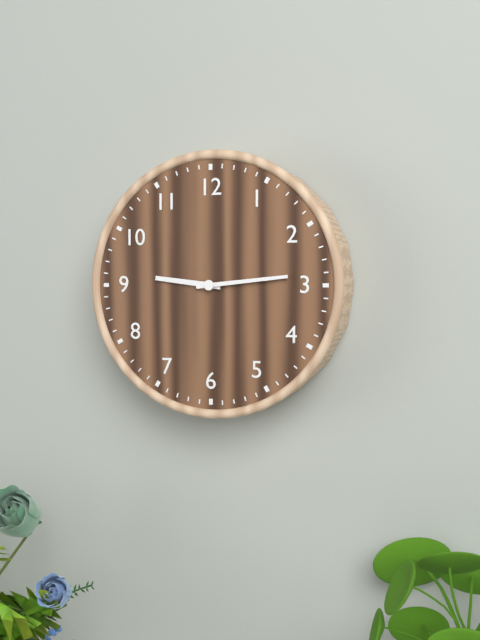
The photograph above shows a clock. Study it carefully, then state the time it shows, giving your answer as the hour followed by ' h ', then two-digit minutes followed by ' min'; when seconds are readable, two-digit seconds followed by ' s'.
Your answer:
9 h 14 min
